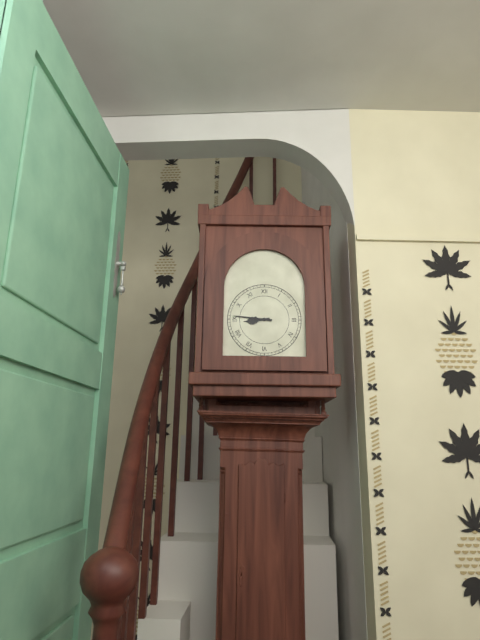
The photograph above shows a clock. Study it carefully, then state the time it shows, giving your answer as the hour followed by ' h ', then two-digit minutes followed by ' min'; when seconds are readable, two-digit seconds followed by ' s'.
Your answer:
8 h 46 min
